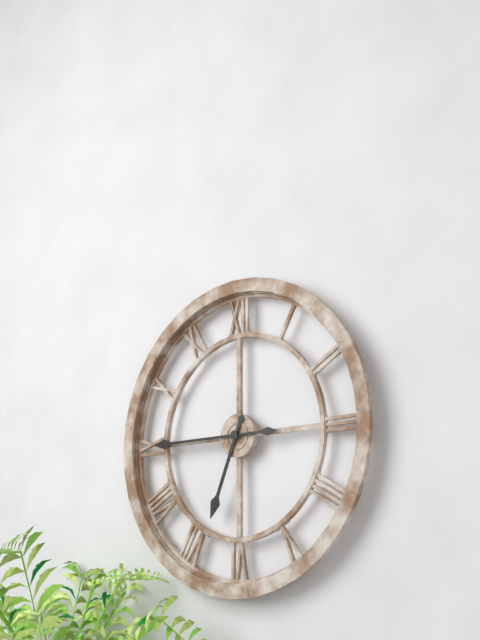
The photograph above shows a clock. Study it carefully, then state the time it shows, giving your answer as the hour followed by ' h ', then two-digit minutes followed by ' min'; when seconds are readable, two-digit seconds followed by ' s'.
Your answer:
6 h 45 min
